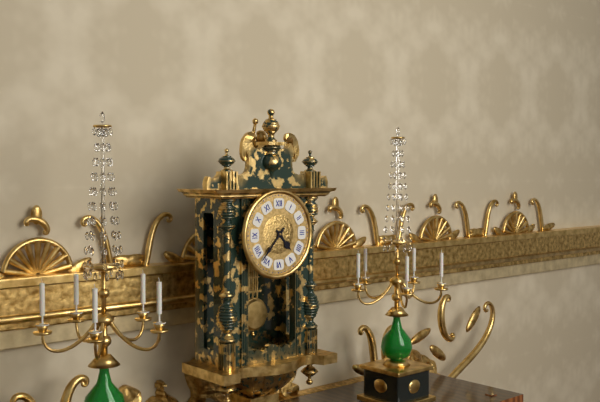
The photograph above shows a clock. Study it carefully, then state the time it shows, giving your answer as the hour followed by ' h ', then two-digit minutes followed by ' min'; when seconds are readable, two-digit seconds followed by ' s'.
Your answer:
4 h 37 min
